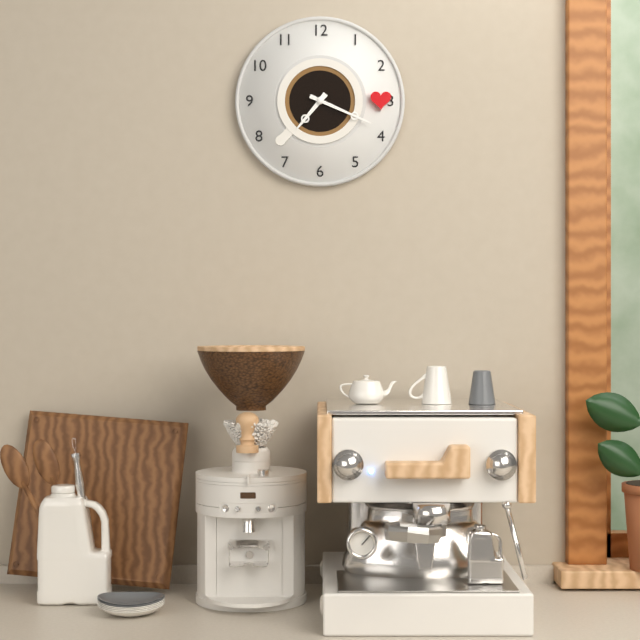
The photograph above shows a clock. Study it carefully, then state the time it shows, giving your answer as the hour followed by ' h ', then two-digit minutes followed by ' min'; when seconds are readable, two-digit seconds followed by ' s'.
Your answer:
7 h 19 min
